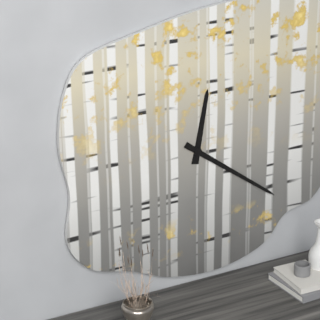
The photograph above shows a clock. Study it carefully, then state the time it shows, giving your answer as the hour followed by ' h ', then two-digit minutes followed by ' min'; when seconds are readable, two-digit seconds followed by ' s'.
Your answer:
12 h 21 min
